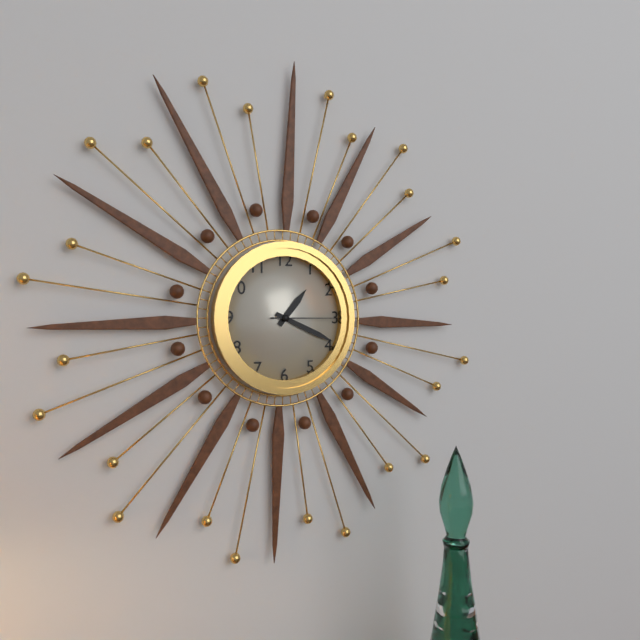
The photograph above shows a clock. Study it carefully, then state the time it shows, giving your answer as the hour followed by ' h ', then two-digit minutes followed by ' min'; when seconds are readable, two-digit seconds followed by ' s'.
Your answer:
1 h 19 min 15 s
